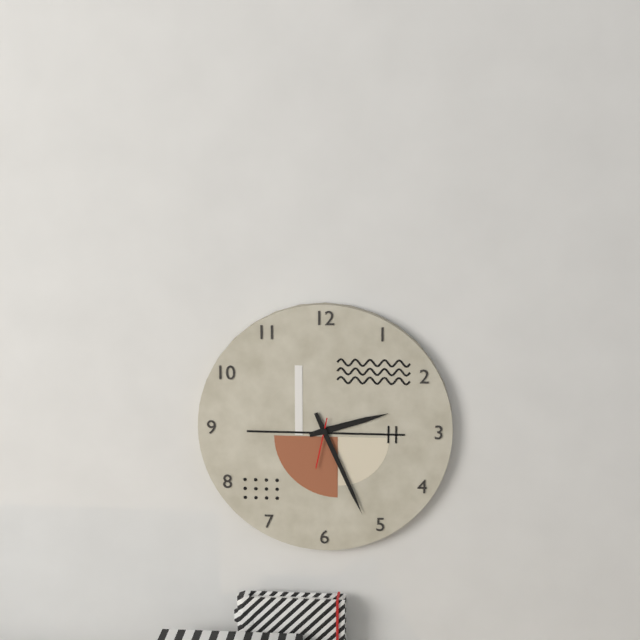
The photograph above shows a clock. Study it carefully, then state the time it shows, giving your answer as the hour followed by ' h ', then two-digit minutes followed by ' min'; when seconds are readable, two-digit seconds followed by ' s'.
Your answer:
2 h 26 min 32 s
